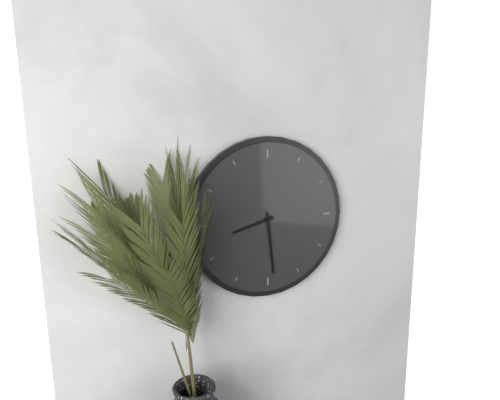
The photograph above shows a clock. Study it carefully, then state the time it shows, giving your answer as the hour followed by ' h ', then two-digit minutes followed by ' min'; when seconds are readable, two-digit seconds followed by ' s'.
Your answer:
8 h 29 min
